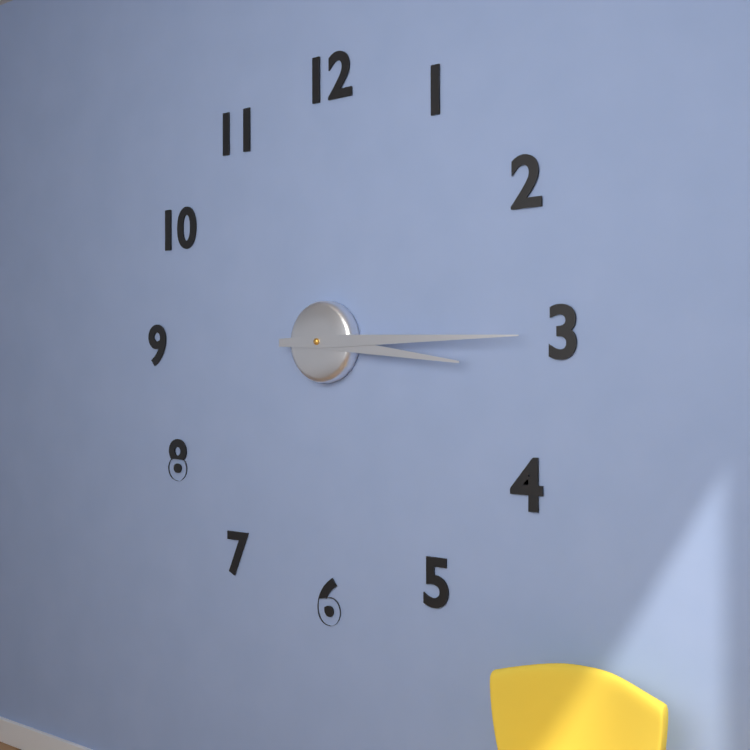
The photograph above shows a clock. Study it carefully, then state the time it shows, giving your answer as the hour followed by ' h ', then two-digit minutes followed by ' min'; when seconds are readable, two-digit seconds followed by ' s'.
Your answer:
3 h 15 min
